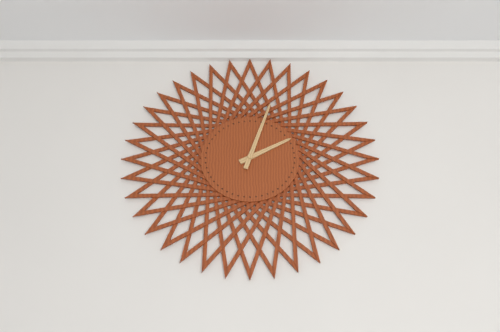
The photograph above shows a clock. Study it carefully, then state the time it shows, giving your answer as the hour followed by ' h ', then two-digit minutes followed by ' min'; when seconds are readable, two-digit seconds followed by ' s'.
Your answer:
2 h 03 min
